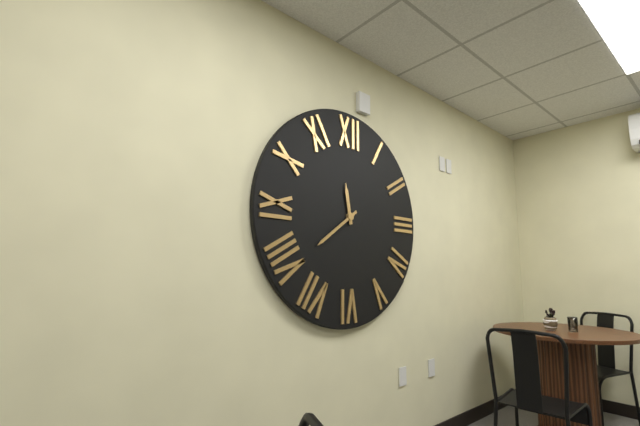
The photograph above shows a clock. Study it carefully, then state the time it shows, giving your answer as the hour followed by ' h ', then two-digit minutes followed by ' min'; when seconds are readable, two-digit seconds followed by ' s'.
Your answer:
11 h 39 min
